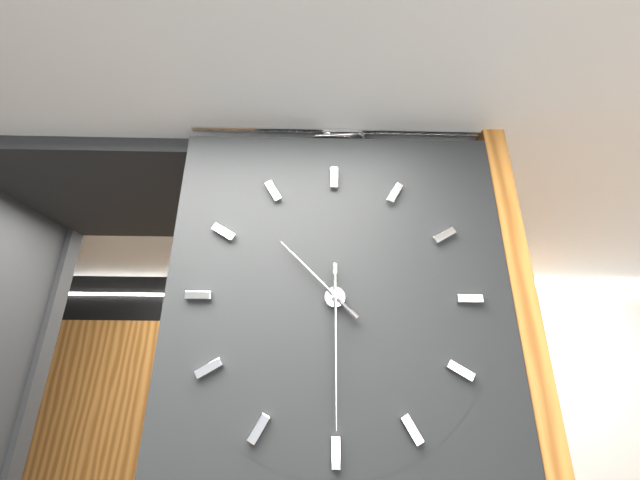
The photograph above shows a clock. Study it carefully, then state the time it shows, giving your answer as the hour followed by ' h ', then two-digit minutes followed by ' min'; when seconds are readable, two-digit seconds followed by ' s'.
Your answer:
10 h 30 min
